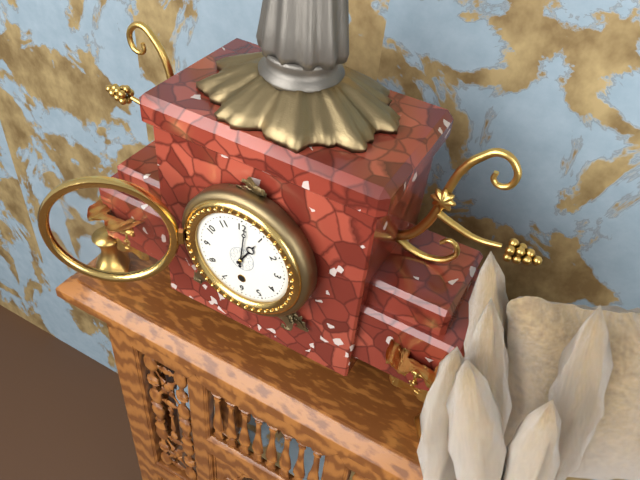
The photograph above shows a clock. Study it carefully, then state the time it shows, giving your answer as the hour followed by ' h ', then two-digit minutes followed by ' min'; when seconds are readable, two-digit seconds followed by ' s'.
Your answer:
1 h 01 min
